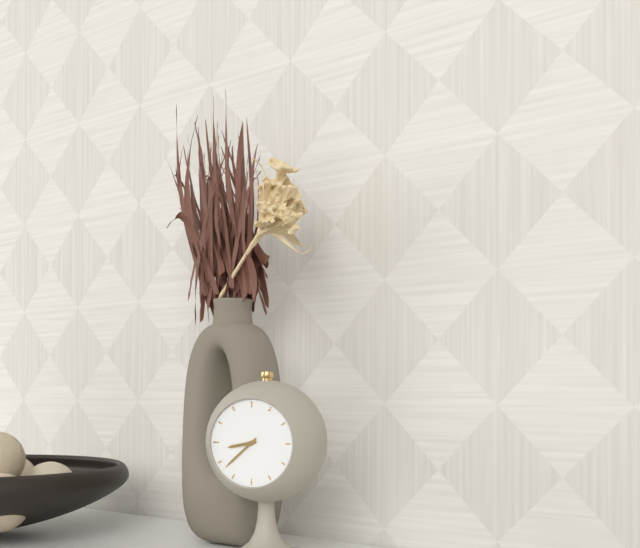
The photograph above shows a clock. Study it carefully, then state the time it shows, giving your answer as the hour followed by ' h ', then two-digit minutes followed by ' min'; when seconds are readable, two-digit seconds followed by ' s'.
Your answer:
8 h 38 min
